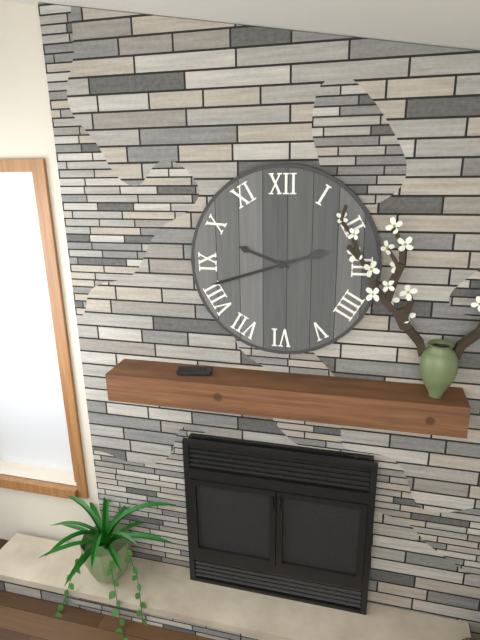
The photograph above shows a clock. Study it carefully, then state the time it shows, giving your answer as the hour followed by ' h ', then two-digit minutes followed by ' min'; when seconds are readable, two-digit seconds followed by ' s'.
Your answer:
9 h 42 min
